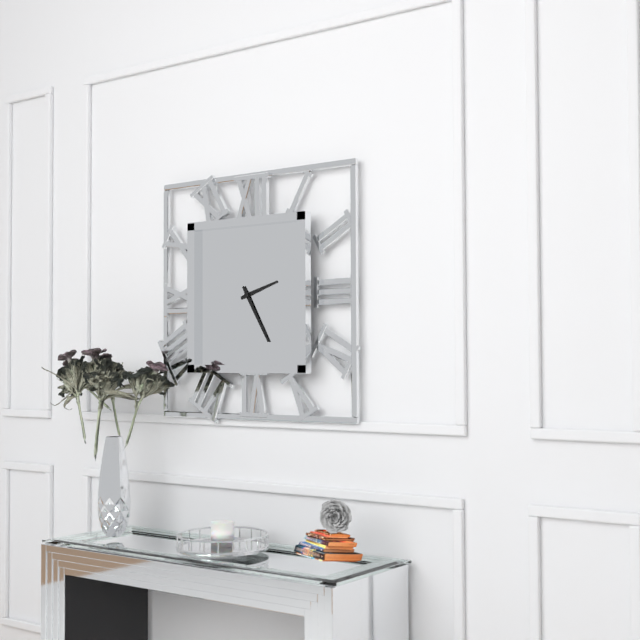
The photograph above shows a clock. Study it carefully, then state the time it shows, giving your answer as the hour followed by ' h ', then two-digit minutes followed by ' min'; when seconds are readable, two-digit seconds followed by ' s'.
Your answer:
2 h 25 min
